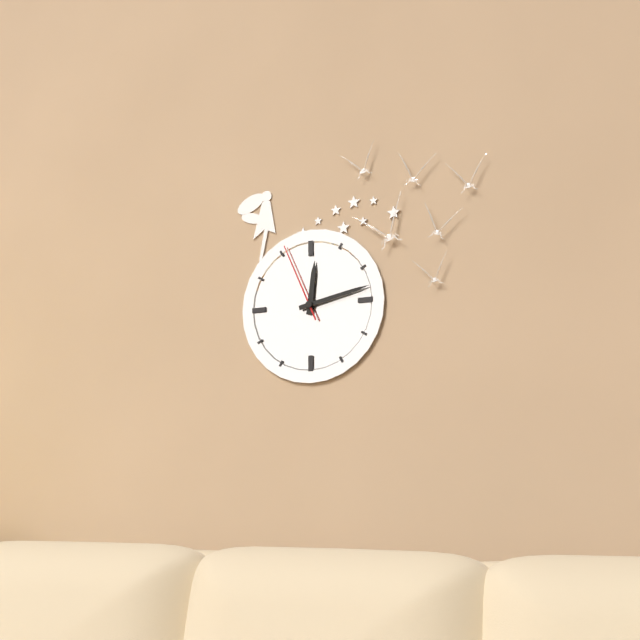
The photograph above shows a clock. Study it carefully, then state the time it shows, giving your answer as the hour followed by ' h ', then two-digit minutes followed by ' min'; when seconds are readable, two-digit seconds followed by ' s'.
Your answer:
12 h 13 min 56 s
